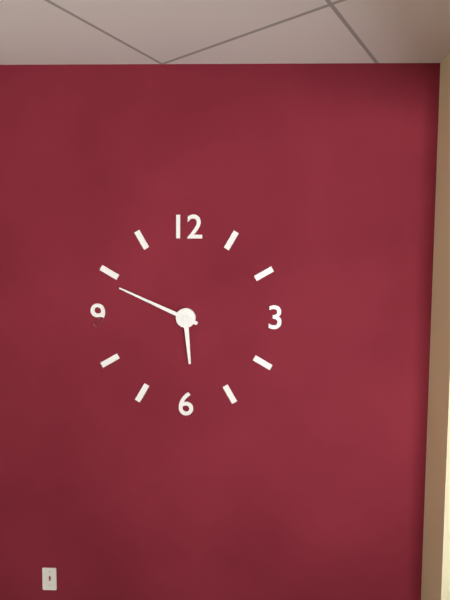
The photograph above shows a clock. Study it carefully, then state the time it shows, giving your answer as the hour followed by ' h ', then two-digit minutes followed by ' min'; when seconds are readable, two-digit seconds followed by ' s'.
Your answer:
5 h 49 min
